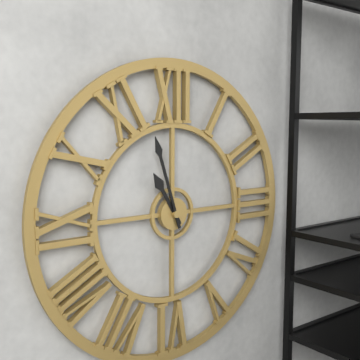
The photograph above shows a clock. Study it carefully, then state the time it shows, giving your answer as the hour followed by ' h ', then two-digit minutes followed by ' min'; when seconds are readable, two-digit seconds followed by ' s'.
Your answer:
10 h 57 min
